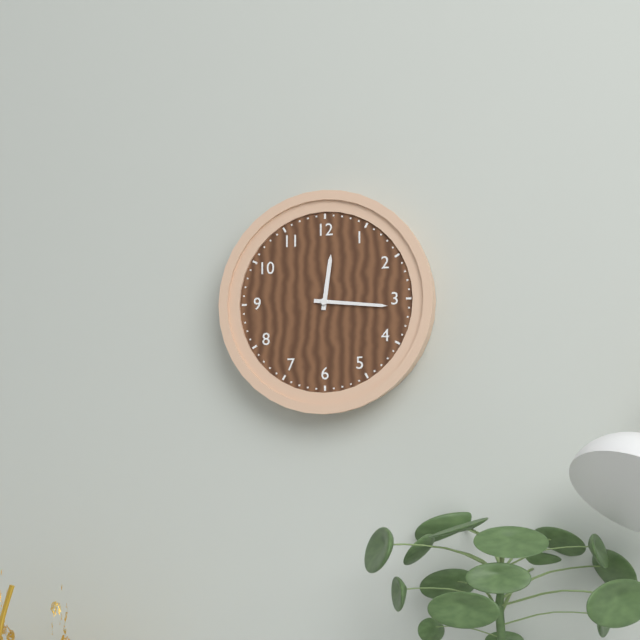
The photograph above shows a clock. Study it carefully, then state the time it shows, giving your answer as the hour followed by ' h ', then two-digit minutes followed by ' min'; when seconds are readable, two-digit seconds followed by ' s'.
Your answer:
12 h 16 min
